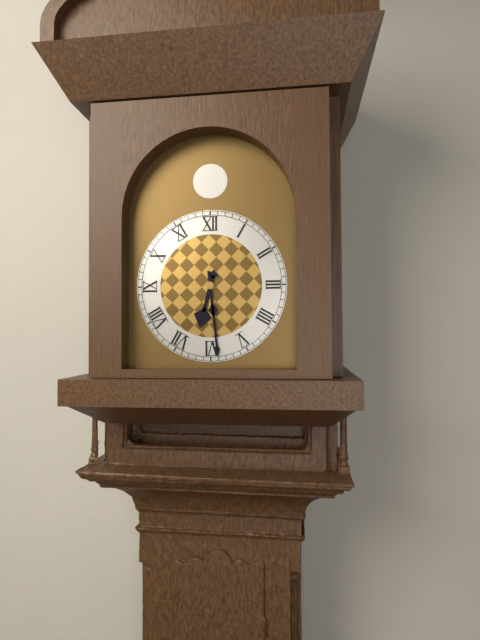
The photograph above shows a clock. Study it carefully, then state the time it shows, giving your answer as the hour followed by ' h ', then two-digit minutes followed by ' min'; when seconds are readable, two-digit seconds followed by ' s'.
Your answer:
6 h 29 min
